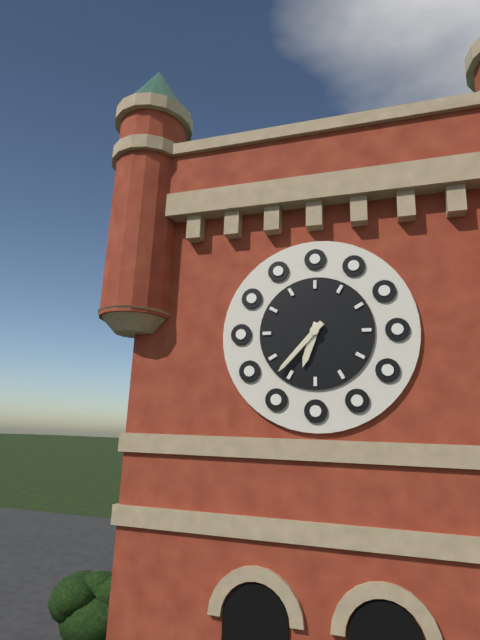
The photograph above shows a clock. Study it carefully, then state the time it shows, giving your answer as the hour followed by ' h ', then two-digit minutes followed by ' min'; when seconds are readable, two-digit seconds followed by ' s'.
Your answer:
6 h 37 min
